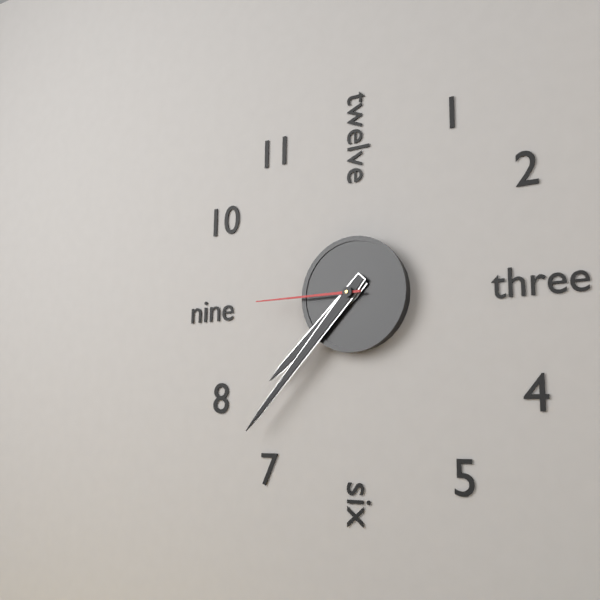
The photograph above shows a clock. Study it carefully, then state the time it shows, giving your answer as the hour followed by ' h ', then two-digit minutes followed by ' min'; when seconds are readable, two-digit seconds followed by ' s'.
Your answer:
7 h 37 min 45 s
